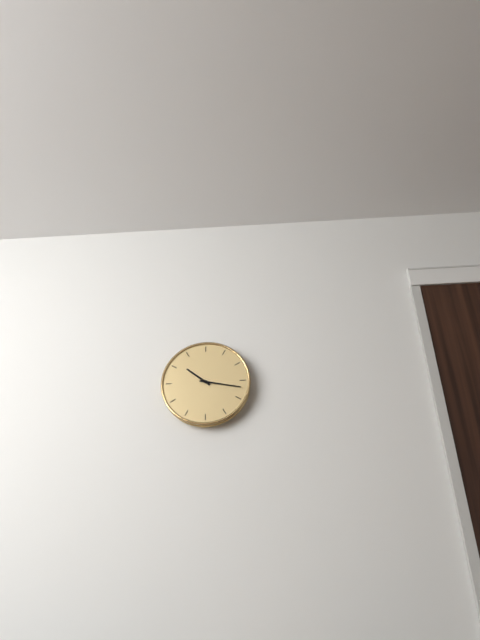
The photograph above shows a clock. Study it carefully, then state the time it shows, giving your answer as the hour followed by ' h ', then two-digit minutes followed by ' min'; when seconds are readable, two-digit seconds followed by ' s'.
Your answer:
10 h 17 min
